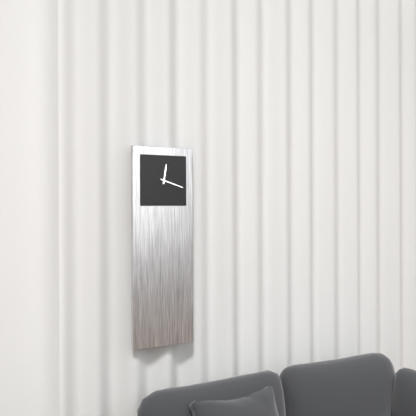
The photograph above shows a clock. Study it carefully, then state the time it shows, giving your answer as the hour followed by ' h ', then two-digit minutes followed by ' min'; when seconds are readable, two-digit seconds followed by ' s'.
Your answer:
12 h 18 min
